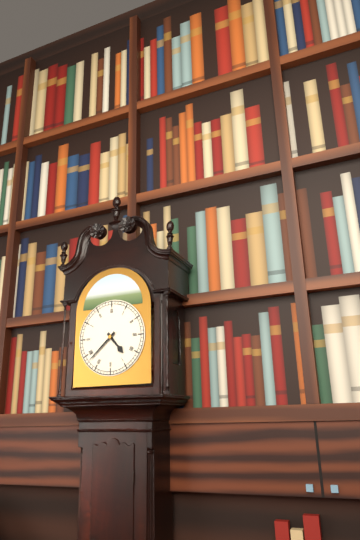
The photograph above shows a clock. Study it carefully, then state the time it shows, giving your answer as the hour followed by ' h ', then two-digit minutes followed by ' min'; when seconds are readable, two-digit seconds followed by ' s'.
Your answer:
4 h 38 min
